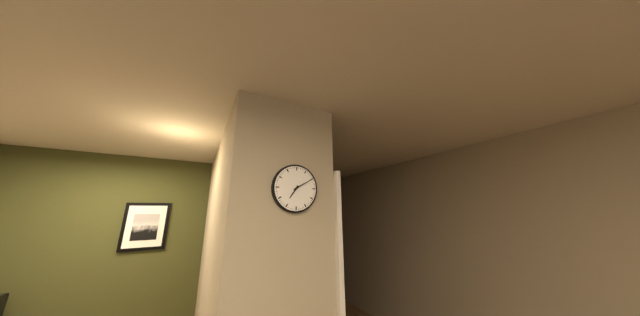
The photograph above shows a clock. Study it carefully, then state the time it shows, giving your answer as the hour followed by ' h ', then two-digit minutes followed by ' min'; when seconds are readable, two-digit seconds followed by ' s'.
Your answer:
7 h 10 min
